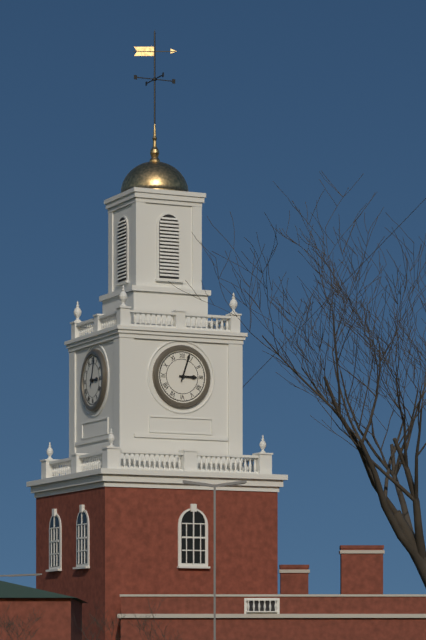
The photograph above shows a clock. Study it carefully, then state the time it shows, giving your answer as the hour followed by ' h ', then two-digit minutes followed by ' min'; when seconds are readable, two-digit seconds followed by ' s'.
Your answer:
3 h 03 min
